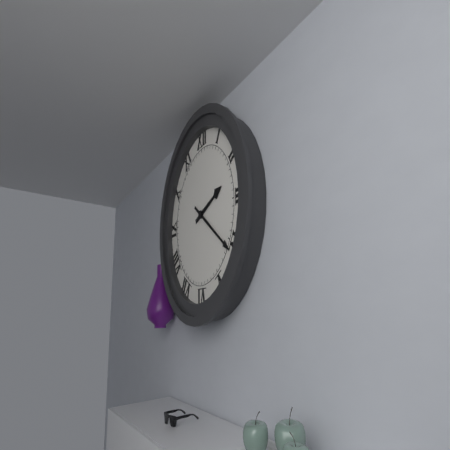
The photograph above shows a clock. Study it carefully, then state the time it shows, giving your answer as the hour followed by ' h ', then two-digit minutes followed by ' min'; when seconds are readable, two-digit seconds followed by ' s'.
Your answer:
2 h 21 min
